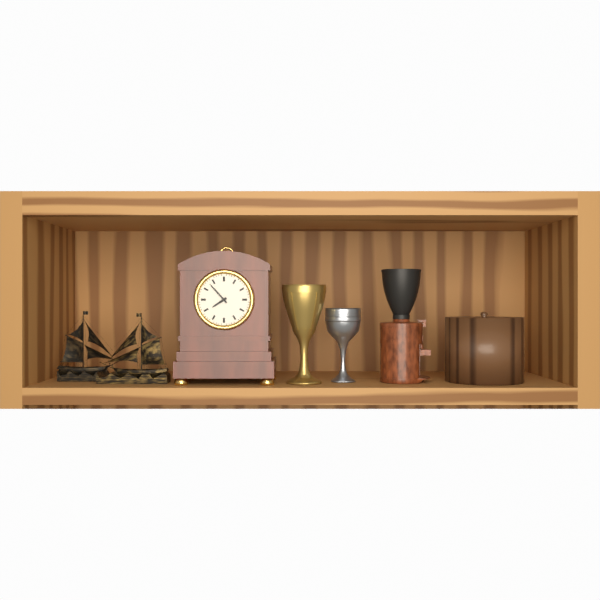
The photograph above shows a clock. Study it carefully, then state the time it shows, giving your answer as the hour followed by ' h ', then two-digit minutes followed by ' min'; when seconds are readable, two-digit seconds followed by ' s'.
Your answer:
7 h 53 min
